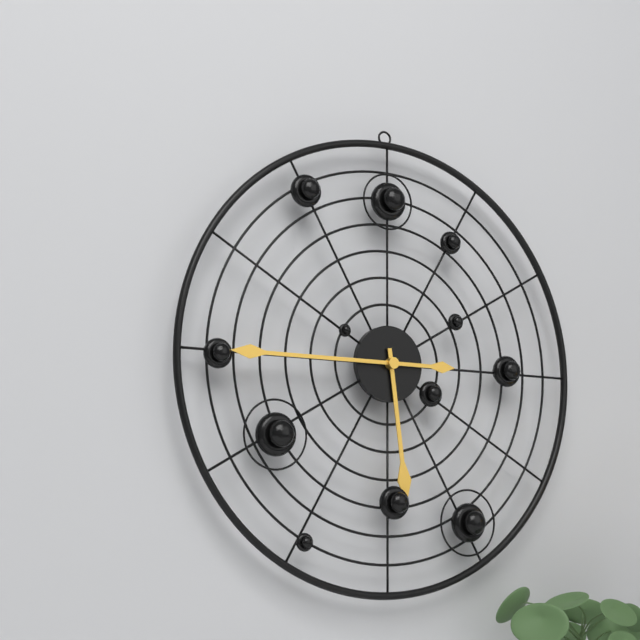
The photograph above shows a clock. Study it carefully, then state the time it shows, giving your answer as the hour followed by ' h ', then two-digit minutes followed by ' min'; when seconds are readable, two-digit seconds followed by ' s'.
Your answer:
5 h 45 min
